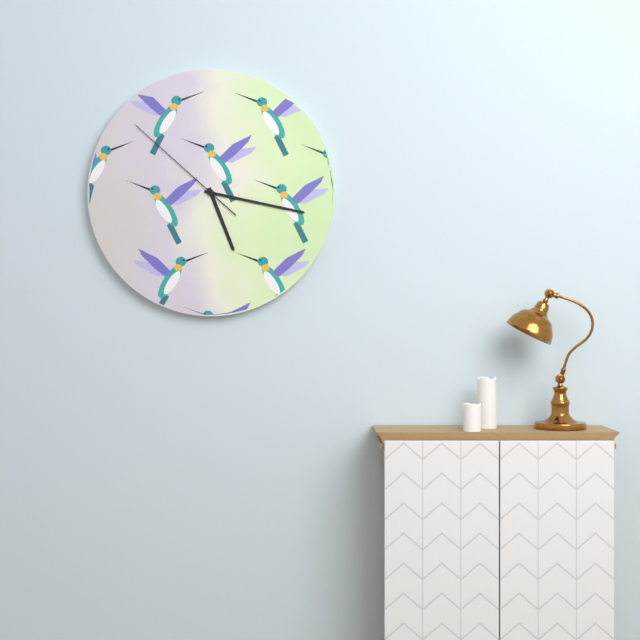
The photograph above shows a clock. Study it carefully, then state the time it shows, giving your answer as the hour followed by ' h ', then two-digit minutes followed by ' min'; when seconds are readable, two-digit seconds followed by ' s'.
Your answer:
5 h 17 min 52 s
